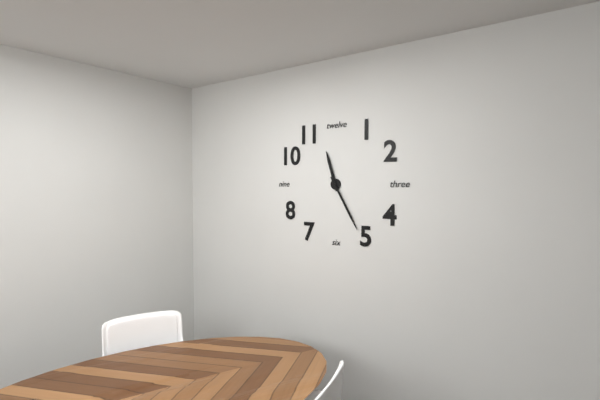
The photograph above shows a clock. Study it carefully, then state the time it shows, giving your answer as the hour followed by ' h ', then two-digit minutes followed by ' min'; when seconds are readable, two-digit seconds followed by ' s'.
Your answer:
11 h 25 min
